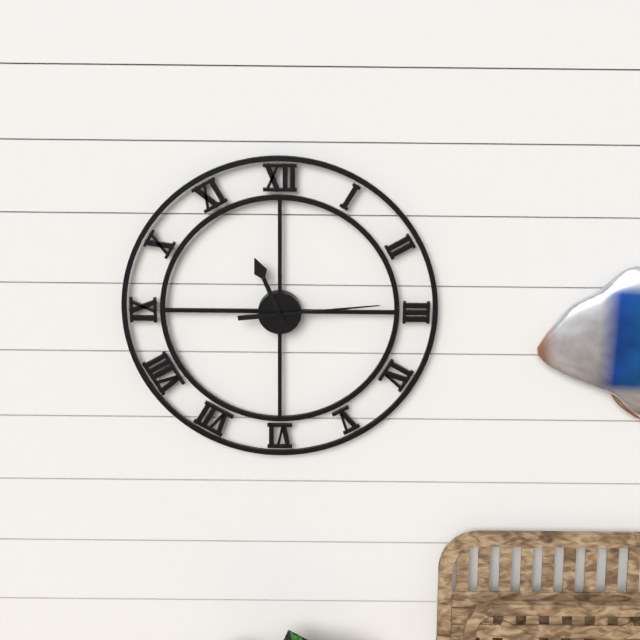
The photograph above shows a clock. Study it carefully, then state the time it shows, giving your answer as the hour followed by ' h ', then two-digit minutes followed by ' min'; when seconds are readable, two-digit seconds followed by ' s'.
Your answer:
11 h 14 min
